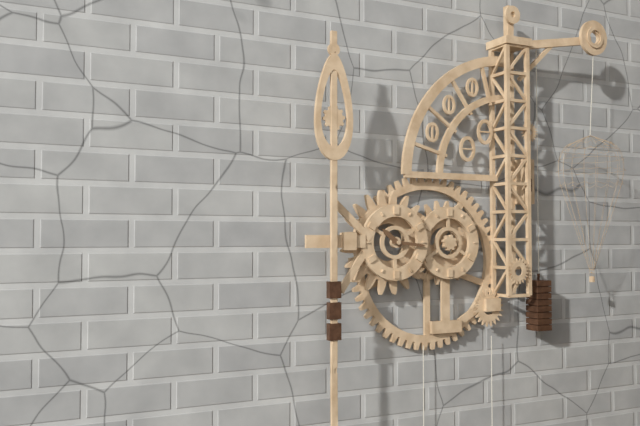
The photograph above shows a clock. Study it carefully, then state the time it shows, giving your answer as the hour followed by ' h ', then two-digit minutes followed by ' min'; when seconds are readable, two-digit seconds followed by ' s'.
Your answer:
10 h 16 min
